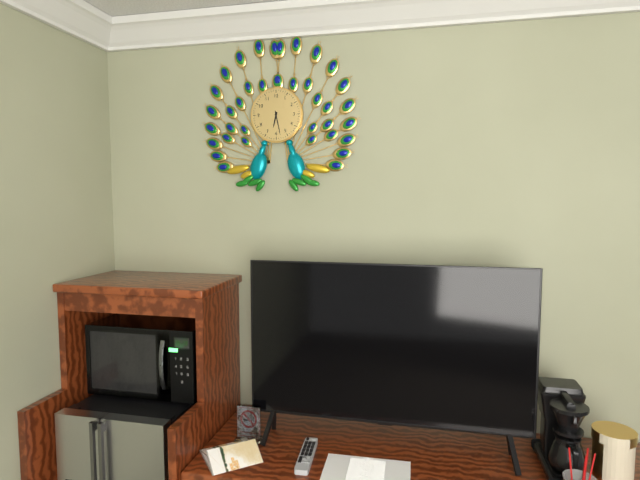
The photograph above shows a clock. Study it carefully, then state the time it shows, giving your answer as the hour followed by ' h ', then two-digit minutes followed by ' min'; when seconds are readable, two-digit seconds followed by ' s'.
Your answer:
6 h 28 min
